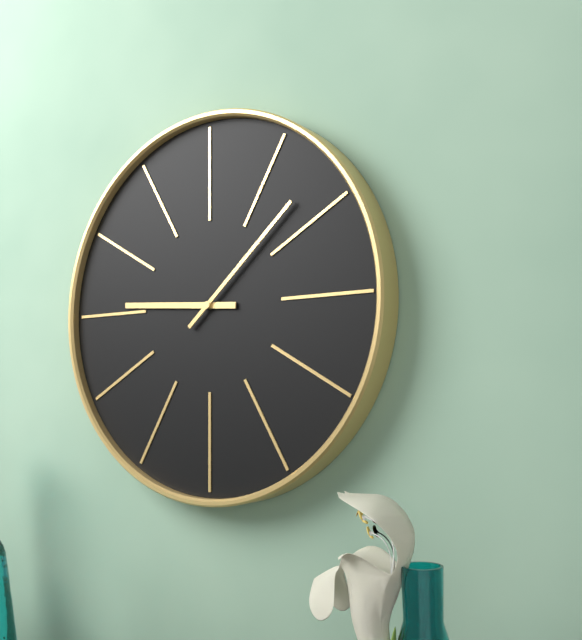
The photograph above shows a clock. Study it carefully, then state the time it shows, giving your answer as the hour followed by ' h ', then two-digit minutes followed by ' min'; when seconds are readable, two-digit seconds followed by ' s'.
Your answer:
9 h 08 min
